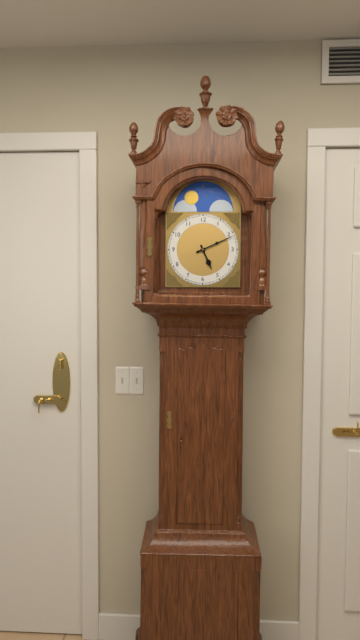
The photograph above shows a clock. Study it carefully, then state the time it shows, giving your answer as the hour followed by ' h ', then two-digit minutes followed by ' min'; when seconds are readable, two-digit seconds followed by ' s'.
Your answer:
5 h 11 min
